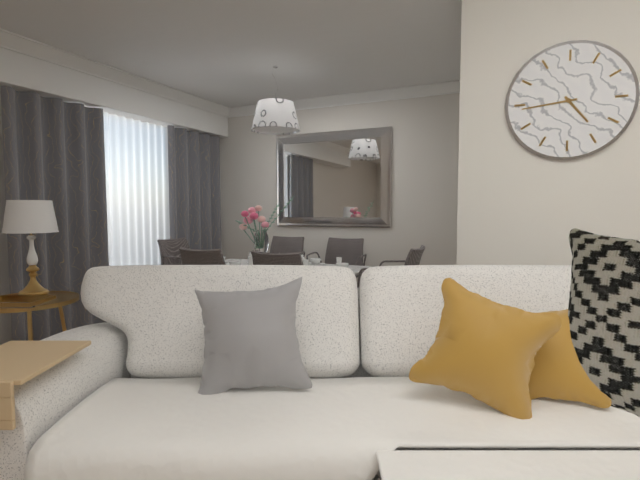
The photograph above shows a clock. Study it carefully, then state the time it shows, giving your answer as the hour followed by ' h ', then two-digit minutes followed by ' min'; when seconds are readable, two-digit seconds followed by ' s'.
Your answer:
4 h 44 min
